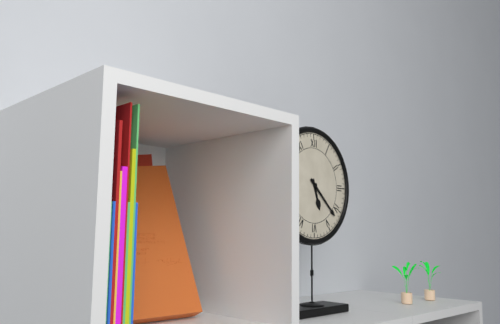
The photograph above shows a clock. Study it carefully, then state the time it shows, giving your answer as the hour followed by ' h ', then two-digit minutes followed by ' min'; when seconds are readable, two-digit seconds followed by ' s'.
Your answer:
5 h 22 min
